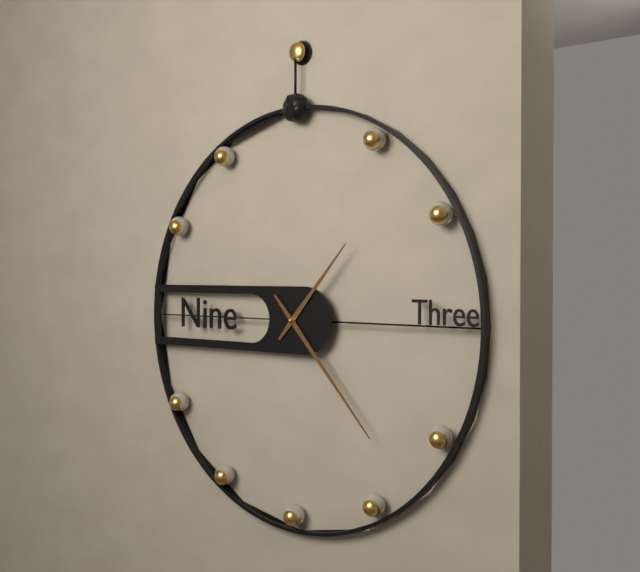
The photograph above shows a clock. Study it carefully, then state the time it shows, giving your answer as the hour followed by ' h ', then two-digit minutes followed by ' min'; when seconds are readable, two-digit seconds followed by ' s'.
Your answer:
1 h 23 min
